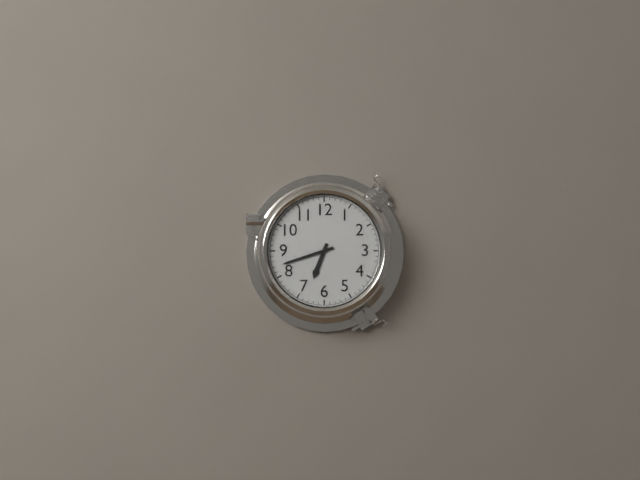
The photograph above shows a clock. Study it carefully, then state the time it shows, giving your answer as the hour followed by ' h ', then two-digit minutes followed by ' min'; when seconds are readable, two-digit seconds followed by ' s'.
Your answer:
6 h 42 min
